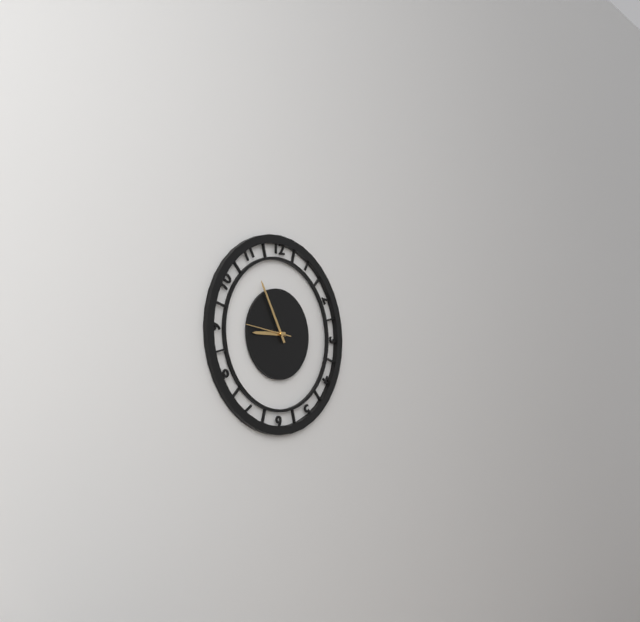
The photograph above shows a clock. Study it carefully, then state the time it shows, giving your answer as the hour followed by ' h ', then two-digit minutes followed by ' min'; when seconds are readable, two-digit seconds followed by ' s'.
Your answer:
8 h 55 min
